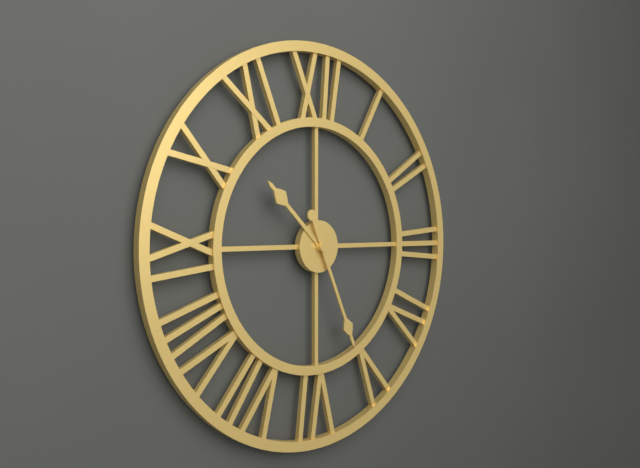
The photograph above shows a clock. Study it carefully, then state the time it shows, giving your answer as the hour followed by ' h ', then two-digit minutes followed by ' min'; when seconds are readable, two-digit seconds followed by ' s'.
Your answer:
10 h 26 min
